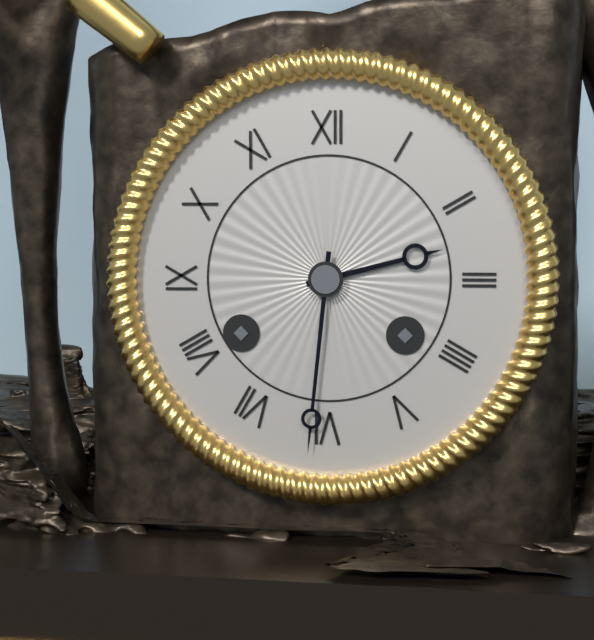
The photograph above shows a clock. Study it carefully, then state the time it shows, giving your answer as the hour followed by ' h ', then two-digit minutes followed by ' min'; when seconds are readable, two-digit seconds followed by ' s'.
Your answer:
2 h 31 min
